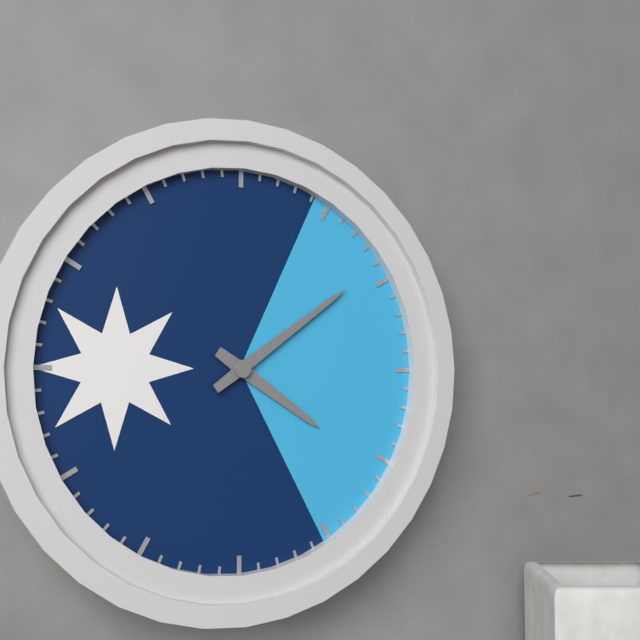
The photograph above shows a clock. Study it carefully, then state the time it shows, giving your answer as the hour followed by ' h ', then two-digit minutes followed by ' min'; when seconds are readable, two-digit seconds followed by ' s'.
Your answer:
4 h 09 min
